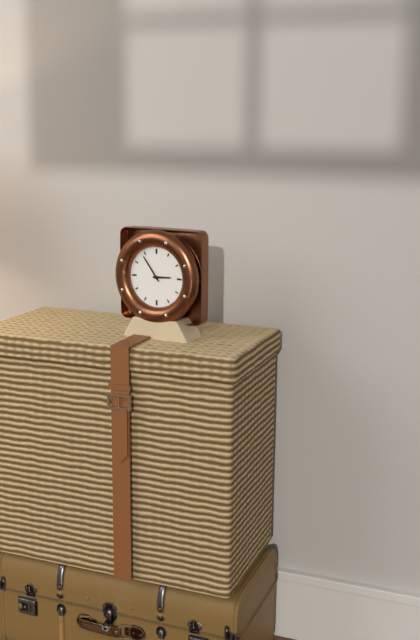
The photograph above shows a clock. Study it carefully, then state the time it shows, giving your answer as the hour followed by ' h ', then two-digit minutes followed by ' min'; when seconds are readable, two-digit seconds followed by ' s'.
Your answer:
2 h 54 min
